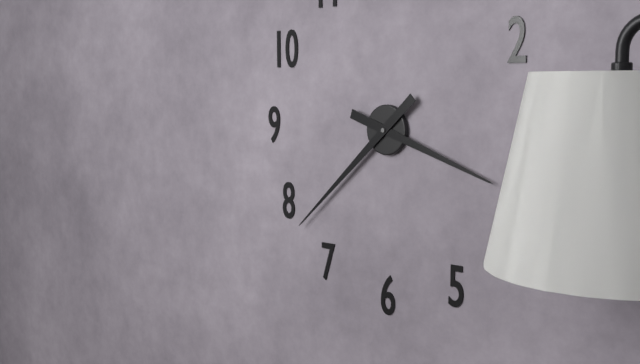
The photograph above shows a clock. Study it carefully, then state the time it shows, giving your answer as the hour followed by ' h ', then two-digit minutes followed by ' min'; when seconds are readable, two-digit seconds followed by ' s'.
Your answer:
3 h 38 min
